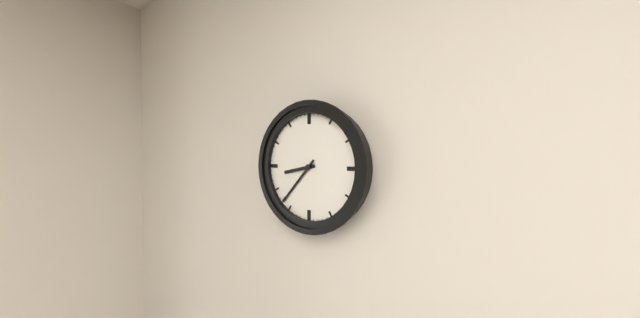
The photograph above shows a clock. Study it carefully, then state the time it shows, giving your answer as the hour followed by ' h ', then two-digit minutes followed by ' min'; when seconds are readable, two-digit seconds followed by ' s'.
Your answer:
8 h 37 min
